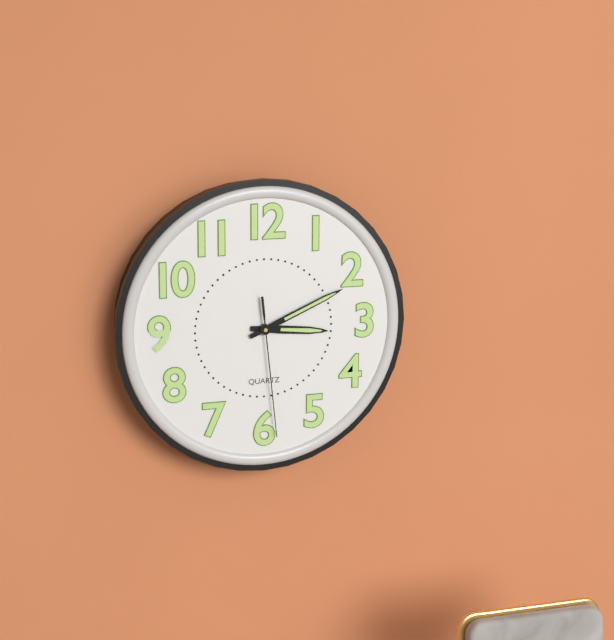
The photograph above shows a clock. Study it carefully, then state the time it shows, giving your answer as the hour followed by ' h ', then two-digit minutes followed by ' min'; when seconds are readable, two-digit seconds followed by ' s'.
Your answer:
3 h 11 min 29 s
